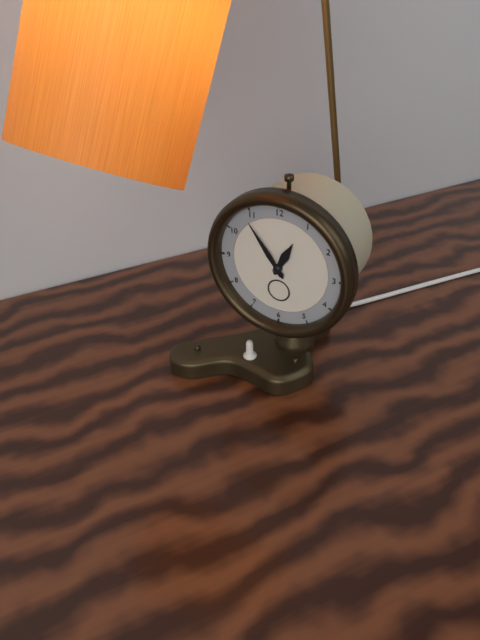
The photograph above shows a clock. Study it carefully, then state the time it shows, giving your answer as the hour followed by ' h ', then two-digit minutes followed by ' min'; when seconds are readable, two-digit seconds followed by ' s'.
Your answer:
12 h 54 min
